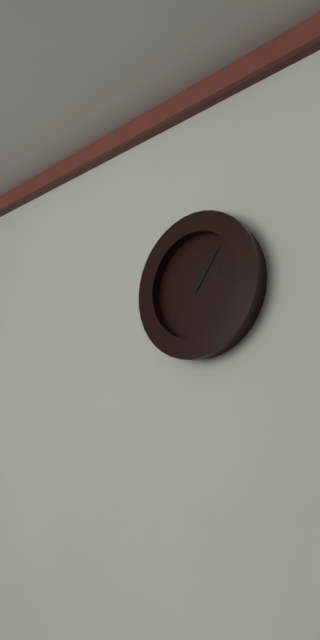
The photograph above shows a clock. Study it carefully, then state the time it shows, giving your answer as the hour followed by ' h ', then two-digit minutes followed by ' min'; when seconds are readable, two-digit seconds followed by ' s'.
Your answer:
2 h 06 min
